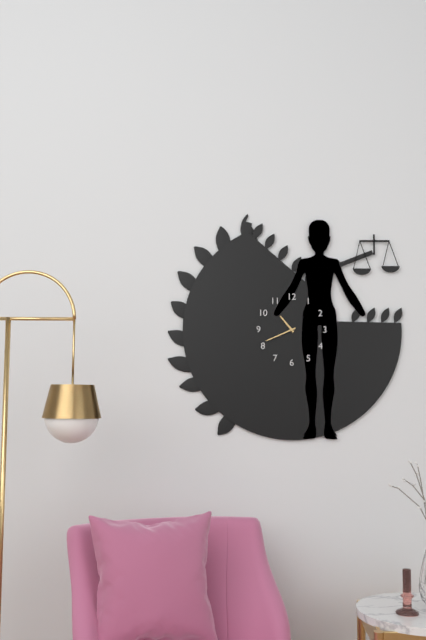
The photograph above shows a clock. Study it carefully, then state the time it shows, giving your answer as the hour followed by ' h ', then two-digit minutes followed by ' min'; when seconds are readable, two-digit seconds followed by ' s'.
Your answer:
10 h 41 min
